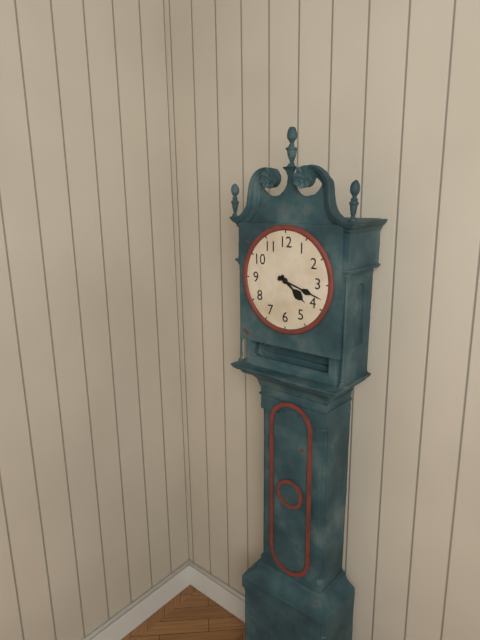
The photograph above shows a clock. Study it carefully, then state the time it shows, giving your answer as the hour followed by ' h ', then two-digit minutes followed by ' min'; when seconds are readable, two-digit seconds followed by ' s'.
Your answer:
4 h 18 min
